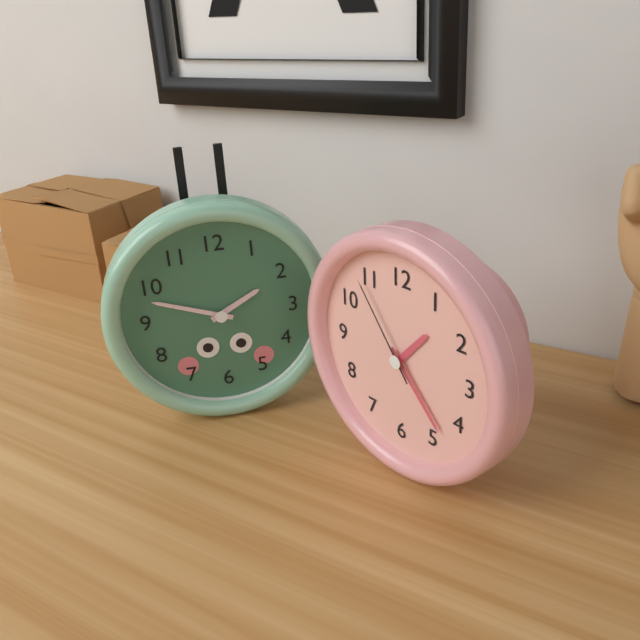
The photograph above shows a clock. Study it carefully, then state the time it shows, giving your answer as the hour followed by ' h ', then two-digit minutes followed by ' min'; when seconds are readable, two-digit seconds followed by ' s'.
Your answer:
1 h 23 min 54 s
